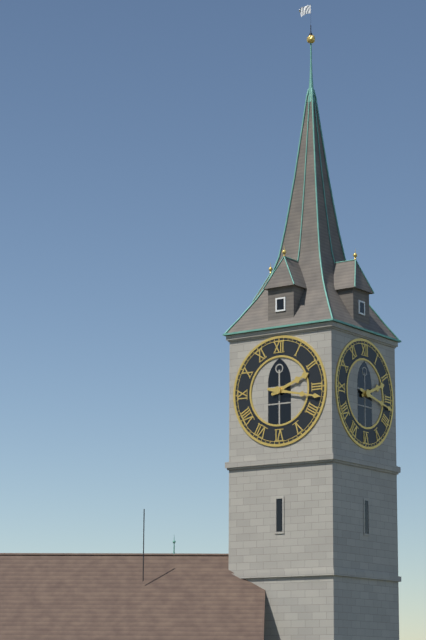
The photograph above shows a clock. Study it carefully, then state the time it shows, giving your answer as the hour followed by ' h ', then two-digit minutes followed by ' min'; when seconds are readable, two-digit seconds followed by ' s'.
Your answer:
2 h 17 min
